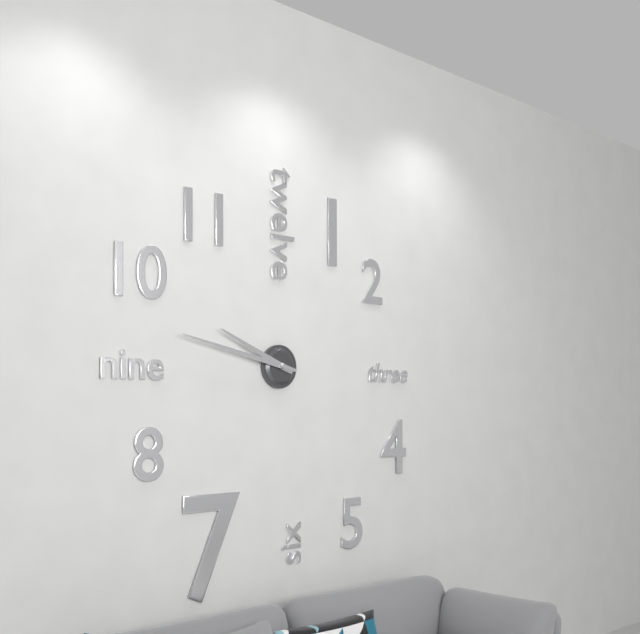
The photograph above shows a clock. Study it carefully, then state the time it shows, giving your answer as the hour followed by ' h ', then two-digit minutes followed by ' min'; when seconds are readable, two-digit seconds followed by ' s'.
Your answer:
9 h 47 min
